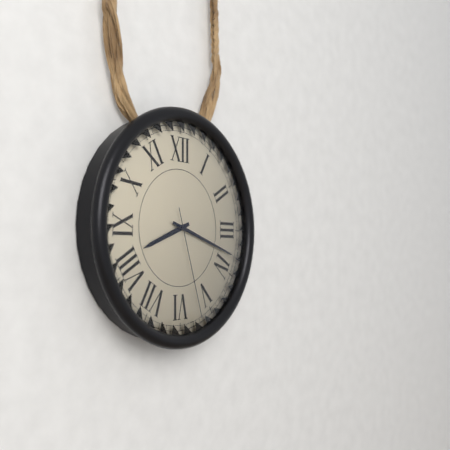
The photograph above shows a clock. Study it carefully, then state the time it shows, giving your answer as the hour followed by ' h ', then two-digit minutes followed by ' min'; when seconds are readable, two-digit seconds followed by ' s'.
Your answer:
8 h 18 min 27 s
